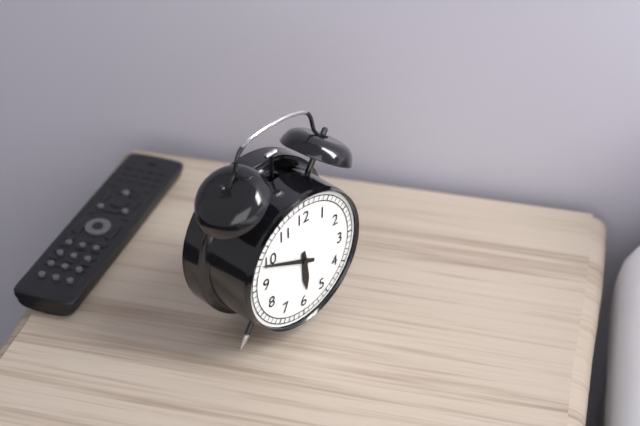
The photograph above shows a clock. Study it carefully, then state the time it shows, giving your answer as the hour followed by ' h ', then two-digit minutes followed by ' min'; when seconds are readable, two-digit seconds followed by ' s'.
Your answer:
5 h 49 min
